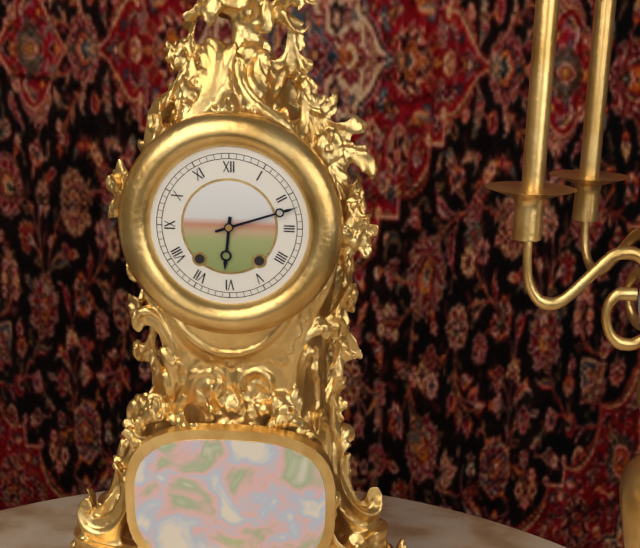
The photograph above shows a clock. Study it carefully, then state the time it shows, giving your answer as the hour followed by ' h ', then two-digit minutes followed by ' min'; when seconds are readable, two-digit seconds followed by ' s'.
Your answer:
6 h 12 min
